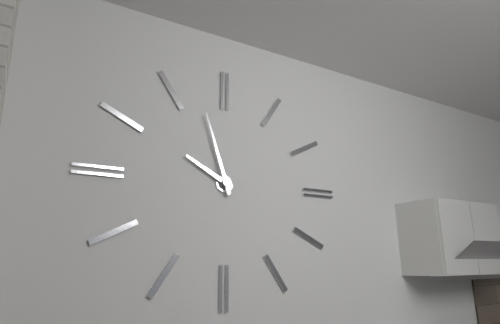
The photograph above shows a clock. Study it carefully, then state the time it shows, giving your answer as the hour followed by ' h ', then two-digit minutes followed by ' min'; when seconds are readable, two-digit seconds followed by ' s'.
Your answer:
9 h 57 min
